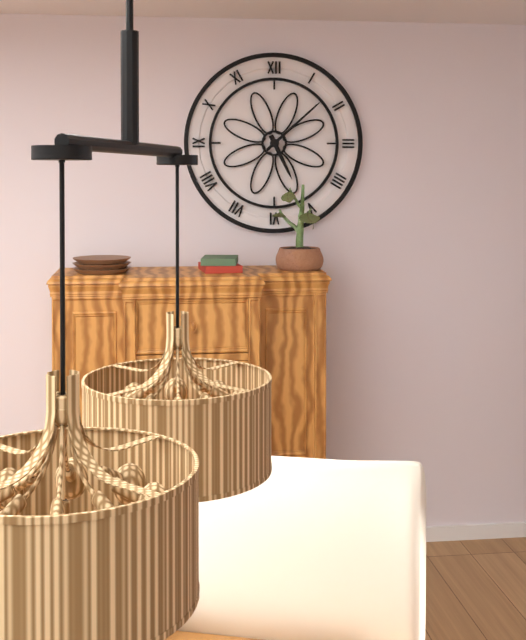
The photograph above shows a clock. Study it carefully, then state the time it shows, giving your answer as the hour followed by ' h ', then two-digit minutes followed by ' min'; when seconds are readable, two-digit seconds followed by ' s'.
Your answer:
5 h 08 min
